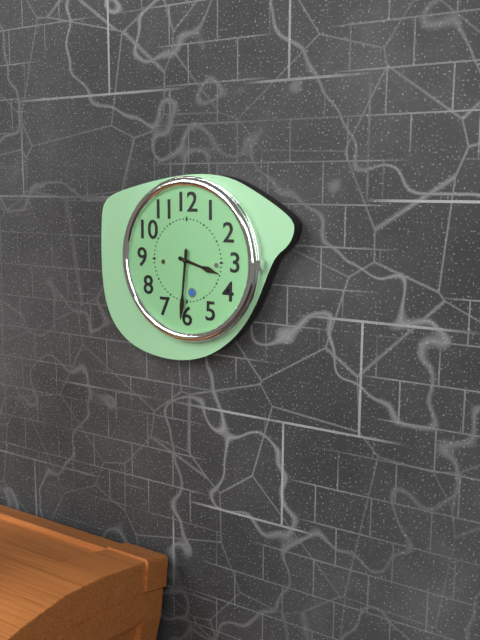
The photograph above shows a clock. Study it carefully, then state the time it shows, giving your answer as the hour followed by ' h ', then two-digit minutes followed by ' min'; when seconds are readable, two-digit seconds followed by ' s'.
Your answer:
3 h 31 min
